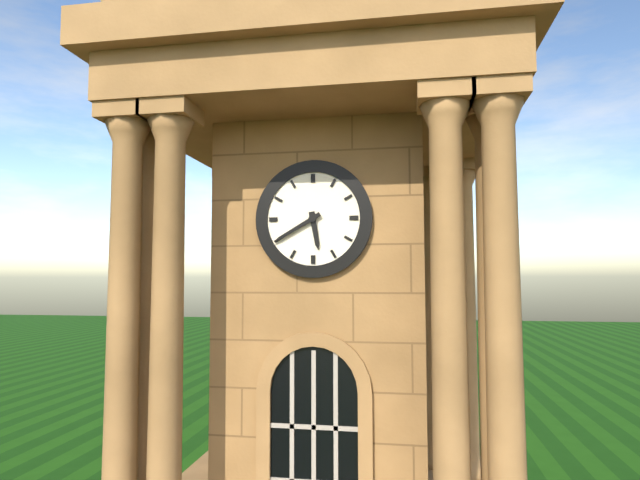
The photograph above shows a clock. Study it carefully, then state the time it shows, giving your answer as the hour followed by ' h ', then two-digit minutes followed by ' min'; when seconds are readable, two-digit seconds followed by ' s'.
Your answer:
5 h 40 min
